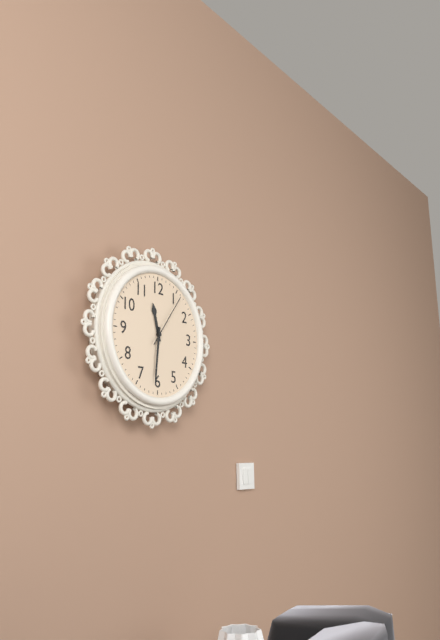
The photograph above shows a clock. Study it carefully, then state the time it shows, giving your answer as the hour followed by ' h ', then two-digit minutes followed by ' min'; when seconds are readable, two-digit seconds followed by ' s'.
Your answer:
11 h 31 min 06 s
